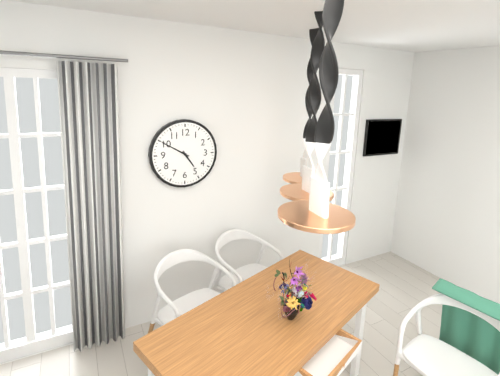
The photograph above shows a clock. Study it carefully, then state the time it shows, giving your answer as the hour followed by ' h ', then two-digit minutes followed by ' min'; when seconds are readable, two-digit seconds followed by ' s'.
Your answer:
4 h 50 min
